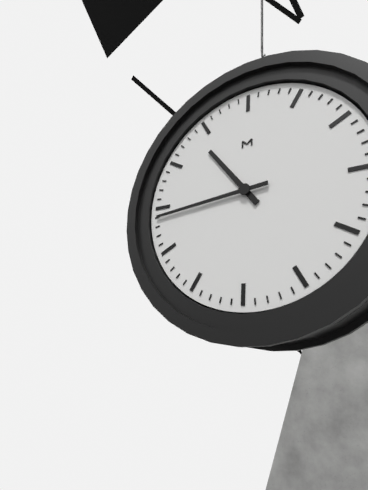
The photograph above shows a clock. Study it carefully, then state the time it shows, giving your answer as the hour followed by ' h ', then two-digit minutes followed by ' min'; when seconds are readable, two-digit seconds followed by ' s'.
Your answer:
10 h 44 min
